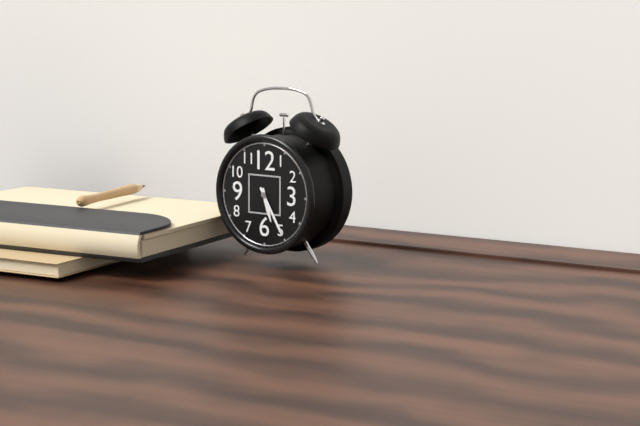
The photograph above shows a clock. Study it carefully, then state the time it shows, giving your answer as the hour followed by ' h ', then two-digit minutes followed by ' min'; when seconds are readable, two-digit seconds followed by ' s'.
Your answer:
5 h 25 min
